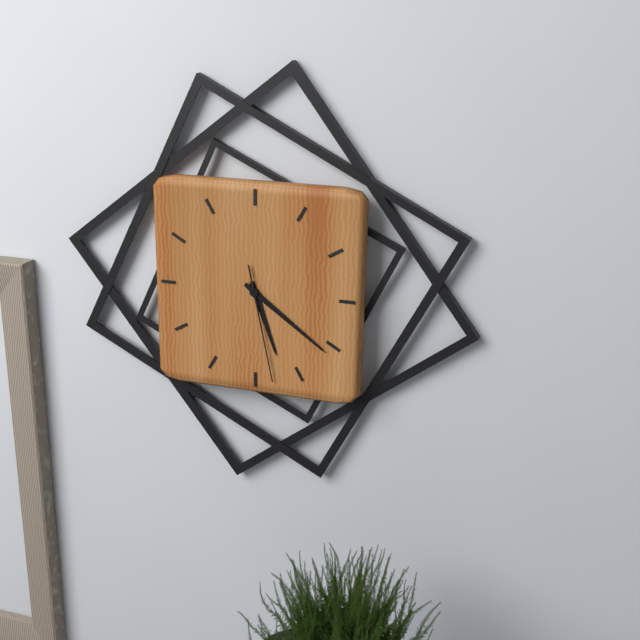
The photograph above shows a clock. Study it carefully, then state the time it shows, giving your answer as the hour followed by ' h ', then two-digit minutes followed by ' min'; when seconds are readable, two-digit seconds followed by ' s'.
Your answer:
5 h 21 min 28 s
